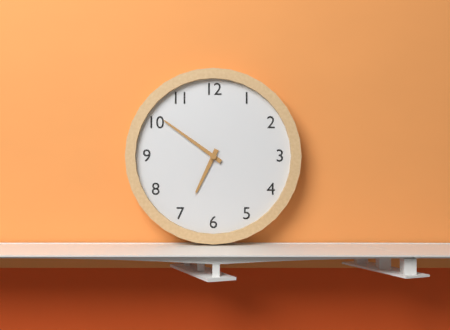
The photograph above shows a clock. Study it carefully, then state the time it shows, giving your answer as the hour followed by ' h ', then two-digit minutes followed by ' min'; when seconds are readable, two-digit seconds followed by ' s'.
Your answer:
6 h 51 min
